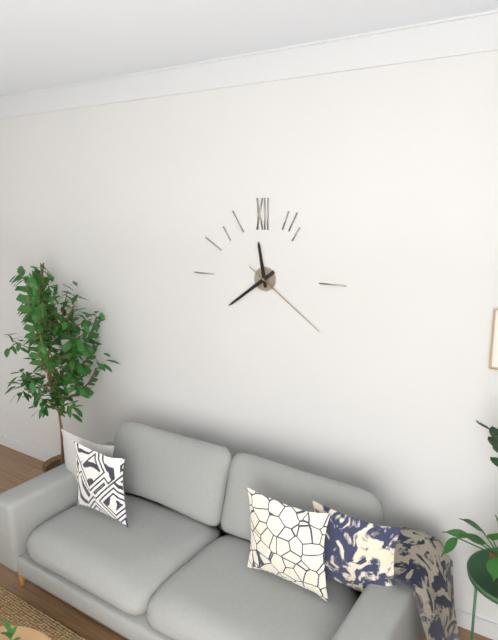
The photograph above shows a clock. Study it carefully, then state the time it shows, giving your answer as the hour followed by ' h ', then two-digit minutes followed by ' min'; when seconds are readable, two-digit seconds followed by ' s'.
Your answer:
11 h 39 min 21 s
